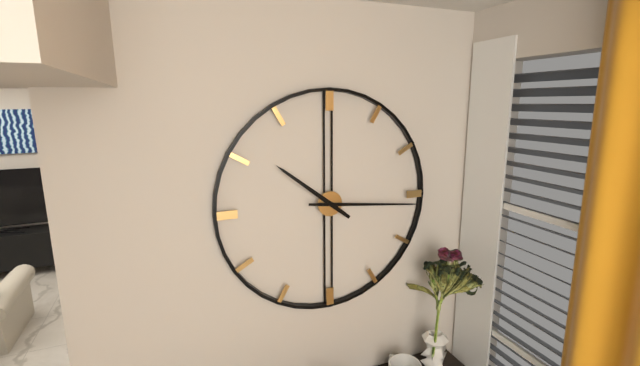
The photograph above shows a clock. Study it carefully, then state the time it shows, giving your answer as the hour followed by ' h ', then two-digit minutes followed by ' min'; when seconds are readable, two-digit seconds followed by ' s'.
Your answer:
10 h 16 min
